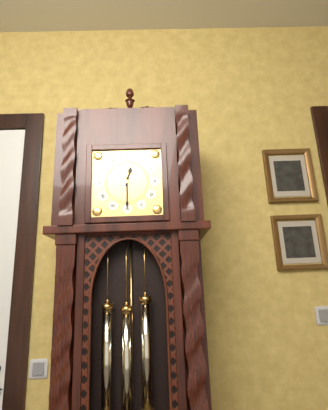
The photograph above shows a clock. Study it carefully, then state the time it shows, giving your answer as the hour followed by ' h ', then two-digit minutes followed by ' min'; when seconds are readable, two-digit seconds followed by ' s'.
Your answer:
12 h 30 min
